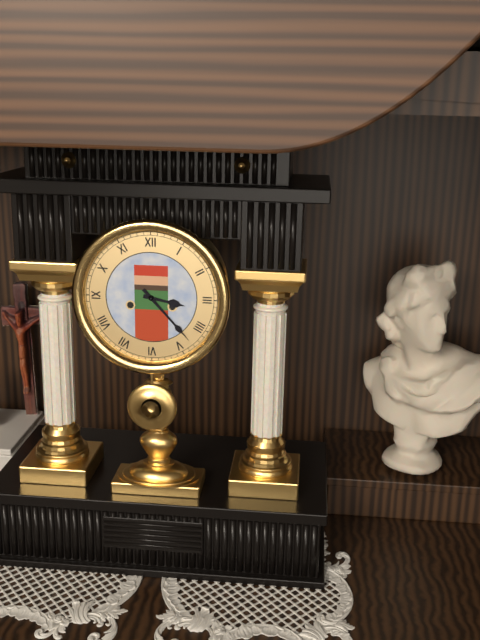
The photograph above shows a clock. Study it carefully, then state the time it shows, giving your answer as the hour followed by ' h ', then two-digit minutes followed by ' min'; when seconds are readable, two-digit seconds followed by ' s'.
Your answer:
3 h 23 min
